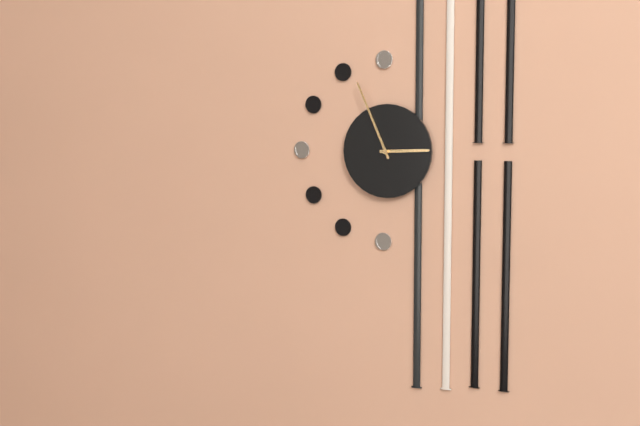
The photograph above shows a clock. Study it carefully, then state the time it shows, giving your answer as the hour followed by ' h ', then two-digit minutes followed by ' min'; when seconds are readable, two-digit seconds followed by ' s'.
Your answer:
2 h 56 min
